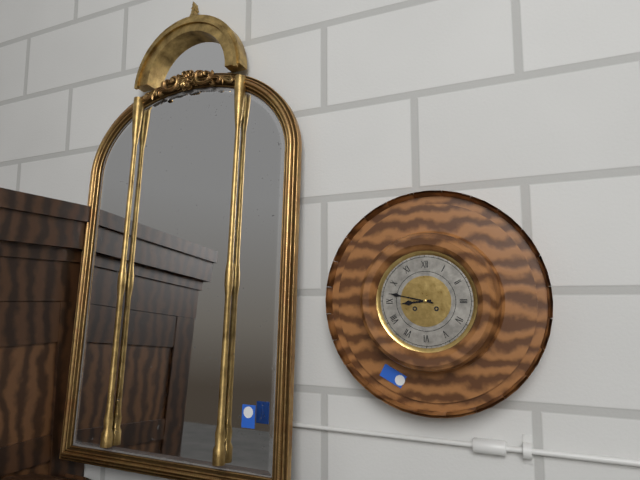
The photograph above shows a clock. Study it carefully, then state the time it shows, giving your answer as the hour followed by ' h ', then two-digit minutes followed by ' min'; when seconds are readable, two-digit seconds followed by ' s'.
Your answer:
8 h 47 min
